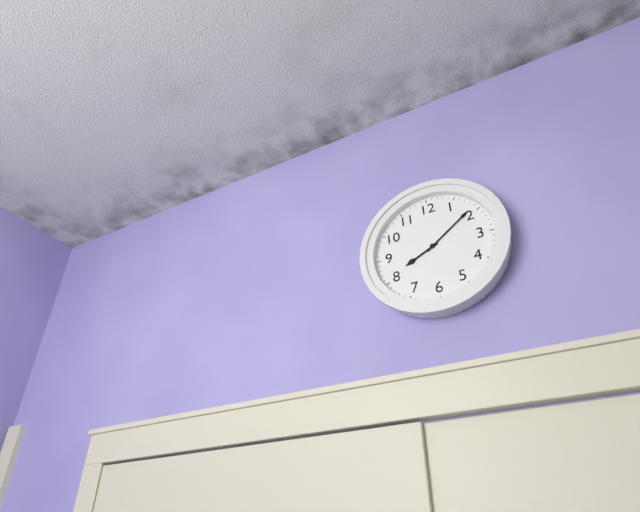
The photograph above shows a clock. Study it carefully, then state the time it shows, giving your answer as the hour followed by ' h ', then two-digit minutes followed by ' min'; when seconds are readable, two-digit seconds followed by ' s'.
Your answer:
8 h 09 min
